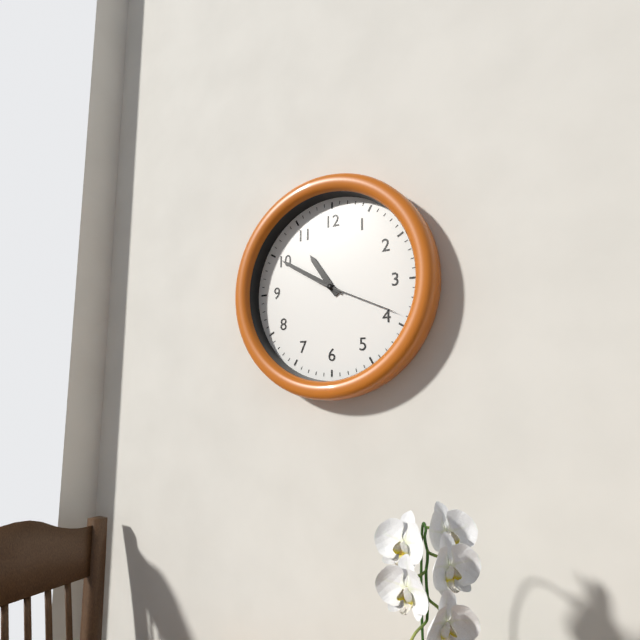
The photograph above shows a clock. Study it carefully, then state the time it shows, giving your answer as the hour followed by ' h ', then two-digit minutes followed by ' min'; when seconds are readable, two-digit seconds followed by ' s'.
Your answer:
10 h 50 min 19 s
